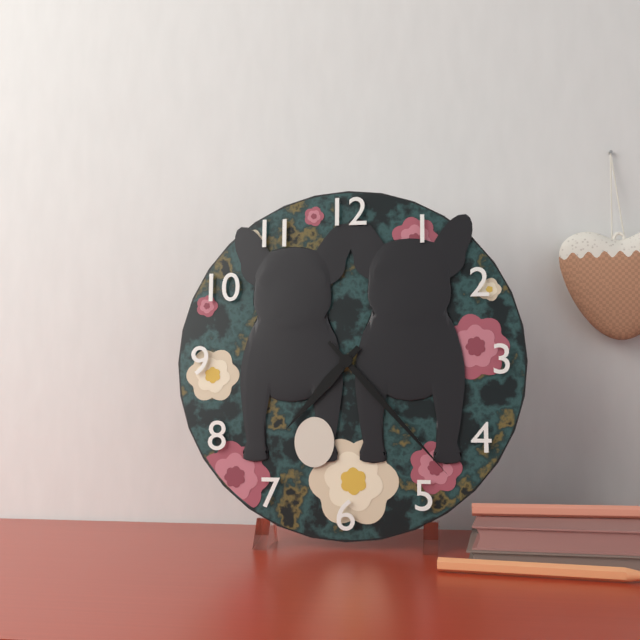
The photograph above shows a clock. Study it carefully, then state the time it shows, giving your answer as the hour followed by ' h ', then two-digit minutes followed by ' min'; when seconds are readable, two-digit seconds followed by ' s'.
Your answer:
7 h 23 min
